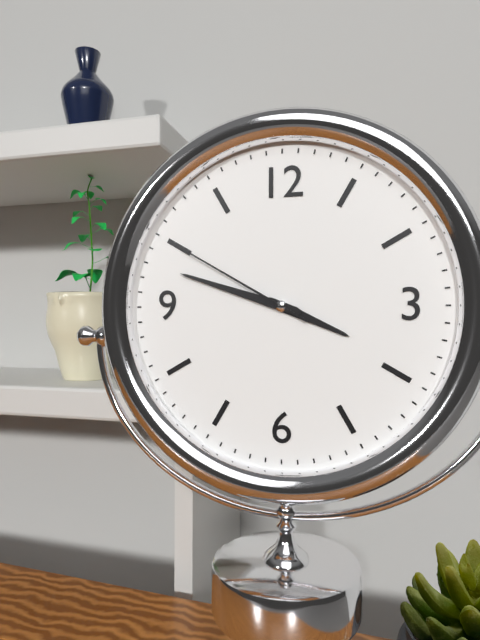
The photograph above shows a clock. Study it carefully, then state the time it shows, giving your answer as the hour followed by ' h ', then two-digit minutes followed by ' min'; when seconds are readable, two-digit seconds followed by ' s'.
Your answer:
3 h 48 min 50 s
